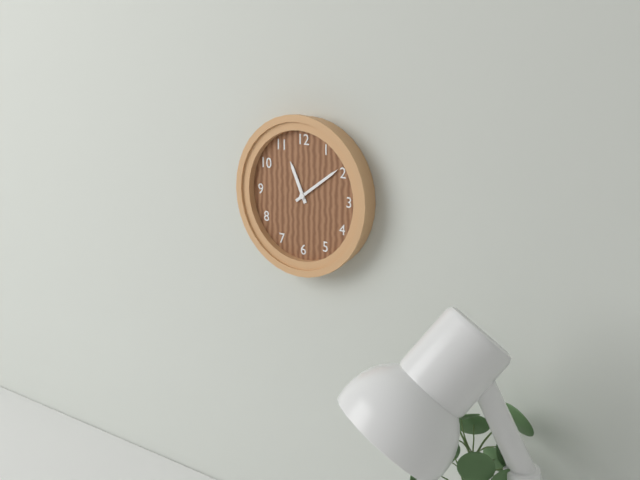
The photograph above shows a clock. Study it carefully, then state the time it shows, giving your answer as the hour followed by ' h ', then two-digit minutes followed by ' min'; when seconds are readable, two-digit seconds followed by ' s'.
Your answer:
11 h 09 min
